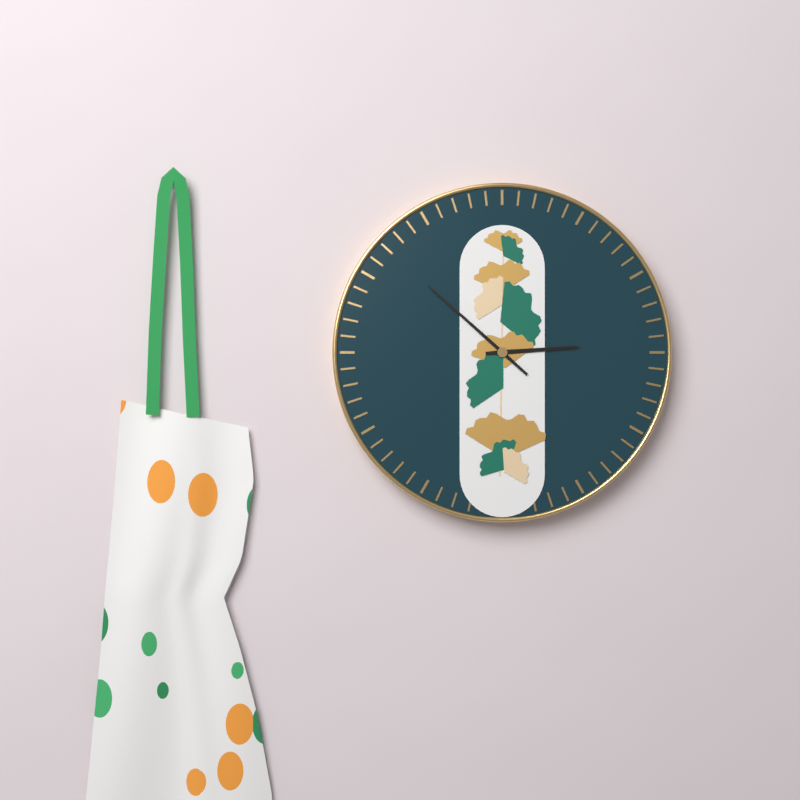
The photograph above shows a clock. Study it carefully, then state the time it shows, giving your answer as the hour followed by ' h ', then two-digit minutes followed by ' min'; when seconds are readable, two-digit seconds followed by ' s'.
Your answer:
2 h 52 min
